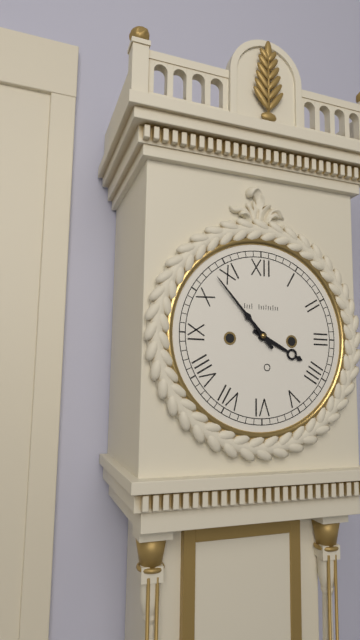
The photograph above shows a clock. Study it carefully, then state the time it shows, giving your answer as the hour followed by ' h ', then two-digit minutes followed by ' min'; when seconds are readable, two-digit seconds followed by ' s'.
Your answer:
3 h 53 min
